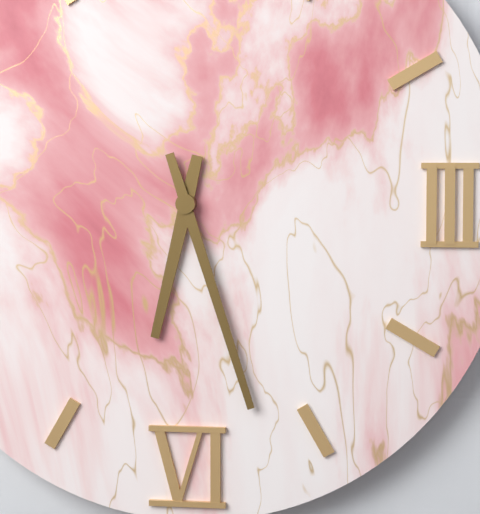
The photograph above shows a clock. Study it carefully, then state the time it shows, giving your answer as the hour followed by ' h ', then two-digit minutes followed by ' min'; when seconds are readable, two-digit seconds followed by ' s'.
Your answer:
6 h 27 min
